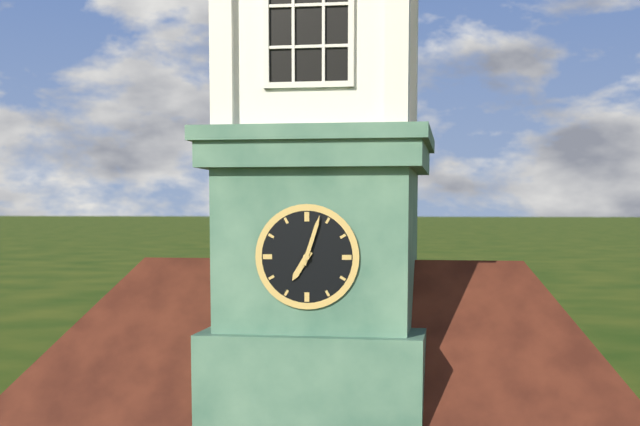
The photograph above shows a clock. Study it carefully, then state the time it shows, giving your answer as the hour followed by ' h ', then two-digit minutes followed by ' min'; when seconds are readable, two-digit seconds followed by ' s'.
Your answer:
7 h 03 min
